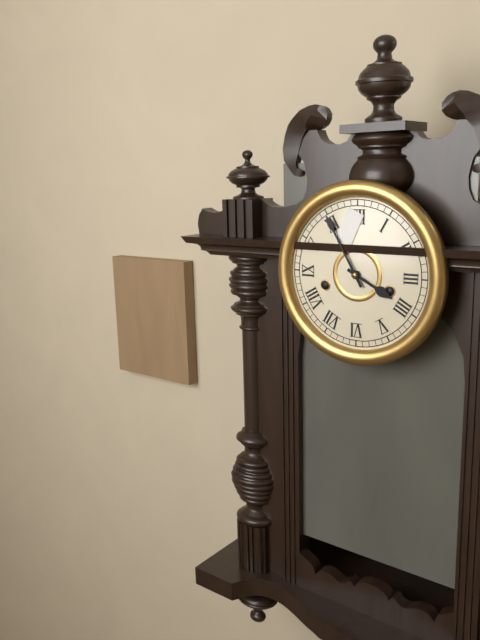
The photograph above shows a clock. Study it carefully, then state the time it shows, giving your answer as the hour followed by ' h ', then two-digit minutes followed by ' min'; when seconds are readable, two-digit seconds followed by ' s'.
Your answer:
3 h 55 min
